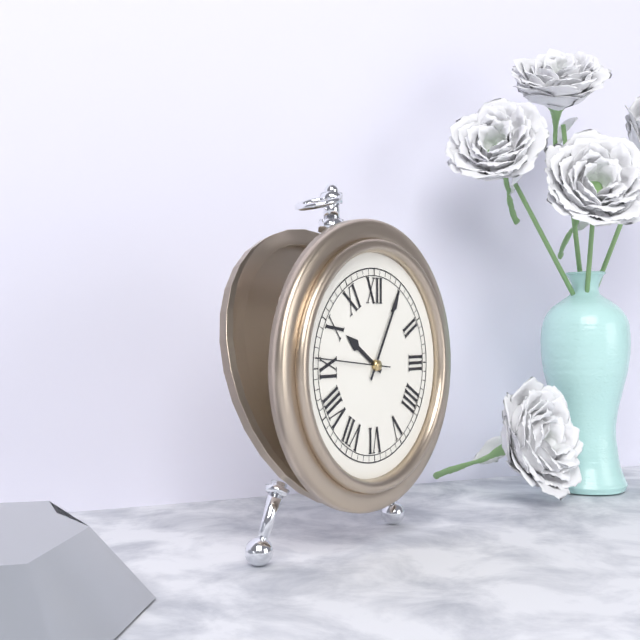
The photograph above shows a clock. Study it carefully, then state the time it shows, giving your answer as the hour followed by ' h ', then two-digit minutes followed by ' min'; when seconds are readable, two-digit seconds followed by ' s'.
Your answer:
10 h 05 min 46 s
